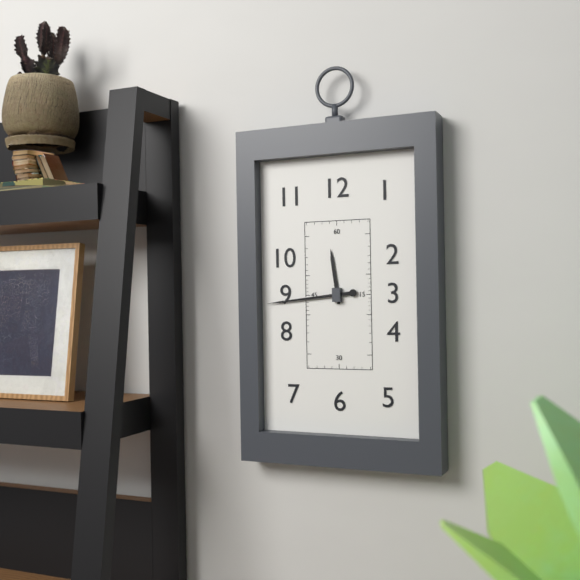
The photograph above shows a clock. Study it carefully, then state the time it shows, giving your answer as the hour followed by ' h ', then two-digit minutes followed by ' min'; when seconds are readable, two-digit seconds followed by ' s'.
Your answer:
11 h 44 min
